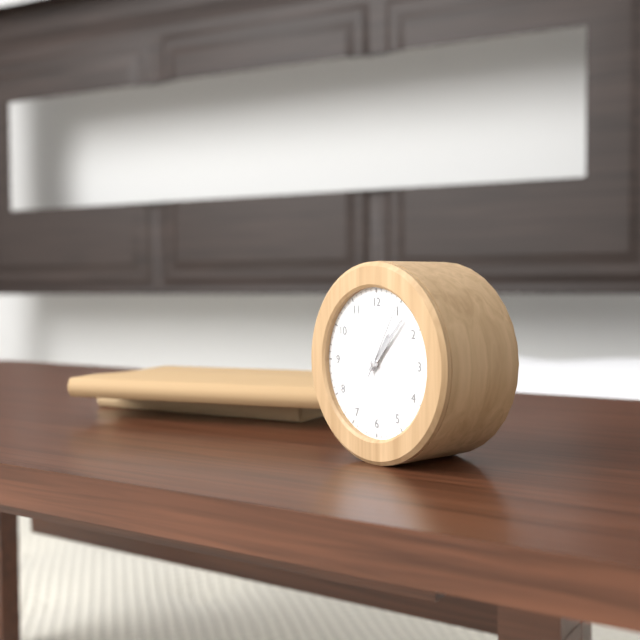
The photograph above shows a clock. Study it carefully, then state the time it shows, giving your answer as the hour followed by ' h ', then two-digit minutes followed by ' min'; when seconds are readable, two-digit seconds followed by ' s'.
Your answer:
1 h 07 min 05 s
